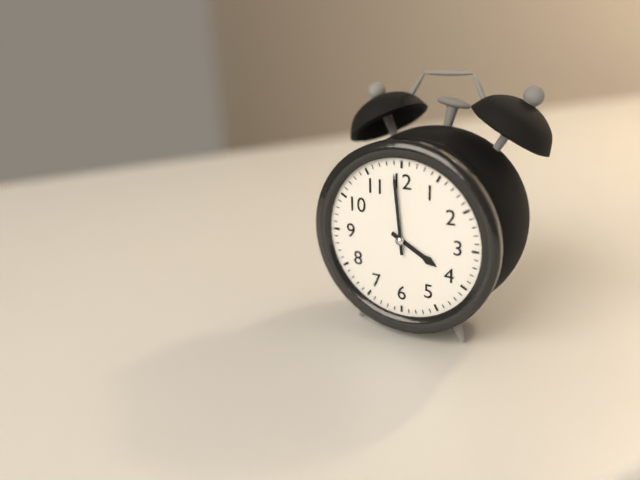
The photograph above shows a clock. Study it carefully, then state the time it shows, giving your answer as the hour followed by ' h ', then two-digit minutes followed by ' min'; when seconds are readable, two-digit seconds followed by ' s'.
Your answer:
3 h 59 min
